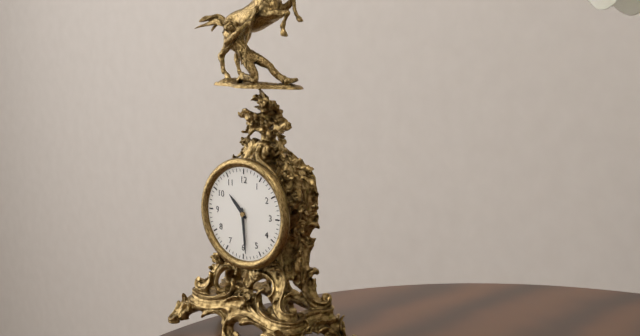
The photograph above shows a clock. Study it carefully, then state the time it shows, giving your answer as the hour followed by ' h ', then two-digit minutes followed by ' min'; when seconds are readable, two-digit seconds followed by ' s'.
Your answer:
10 h 29 min
